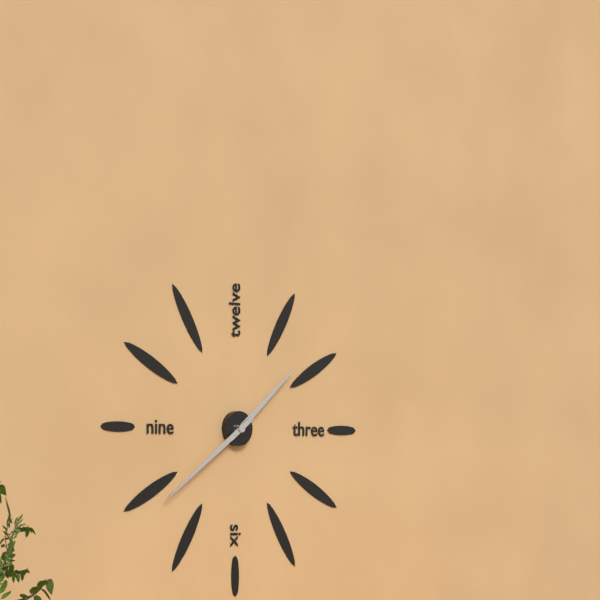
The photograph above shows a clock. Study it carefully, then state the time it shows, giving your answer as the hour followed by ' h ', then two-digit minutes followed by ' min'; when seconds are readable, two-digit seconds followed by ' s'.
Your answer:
1 h 39 min
